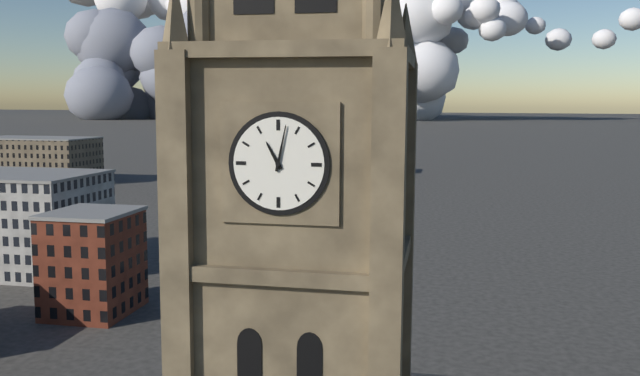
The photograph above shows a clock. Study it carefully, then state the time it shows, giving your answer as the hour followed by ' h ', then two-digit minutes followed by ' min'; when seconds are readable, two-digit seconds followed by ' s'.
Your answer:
11 h 02 min
